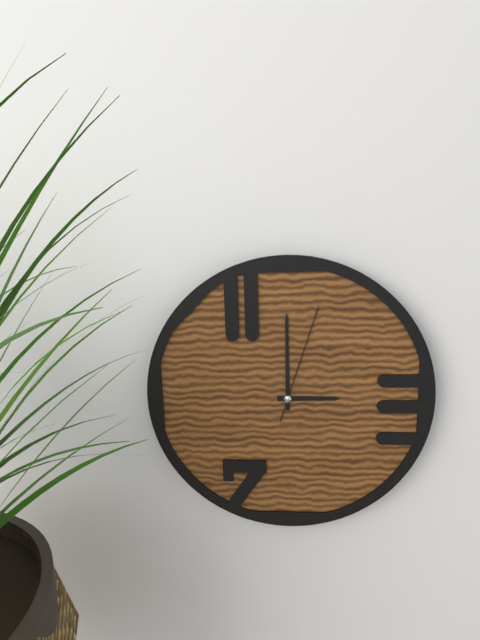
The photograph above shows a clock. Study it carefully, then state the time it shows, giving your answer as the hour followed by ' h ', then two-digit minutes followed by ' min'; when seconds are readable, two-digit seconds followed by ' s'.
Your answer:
3 h 00 min 03 s
